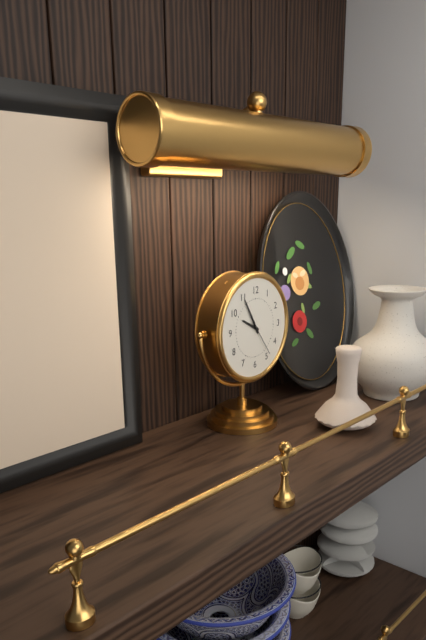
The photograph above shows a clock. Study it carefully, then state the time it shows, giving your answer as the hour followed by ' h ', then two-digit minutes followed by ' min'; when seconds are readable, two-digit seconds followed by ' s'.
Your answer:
9 h 55 min
